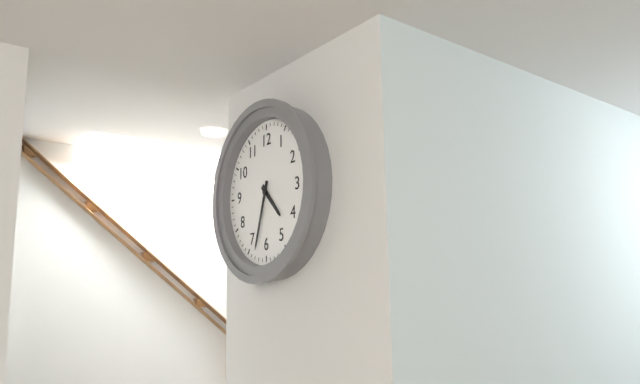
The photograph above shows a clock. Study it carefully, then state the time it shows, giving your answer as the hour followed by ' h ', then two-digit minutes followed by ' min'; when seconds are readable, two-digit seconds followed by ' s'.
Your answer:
4 h 33 min
